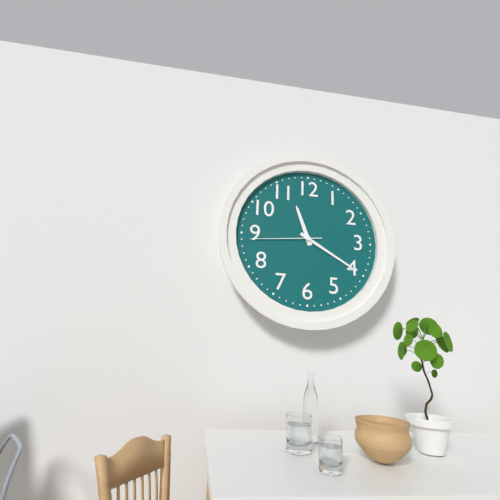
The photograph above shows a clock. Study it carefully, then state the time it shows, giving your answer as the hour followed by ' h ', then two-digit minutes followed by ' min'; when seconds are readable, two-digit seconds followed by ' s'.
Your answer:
11 h 20 min 44 s
